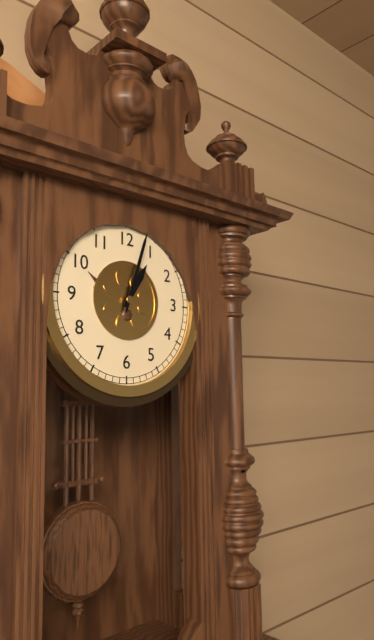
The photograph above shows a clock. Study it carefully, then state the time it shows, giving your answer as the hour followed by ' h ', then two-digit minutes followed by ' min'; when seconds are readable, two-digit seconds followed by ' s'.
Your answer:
1 h 03 min
